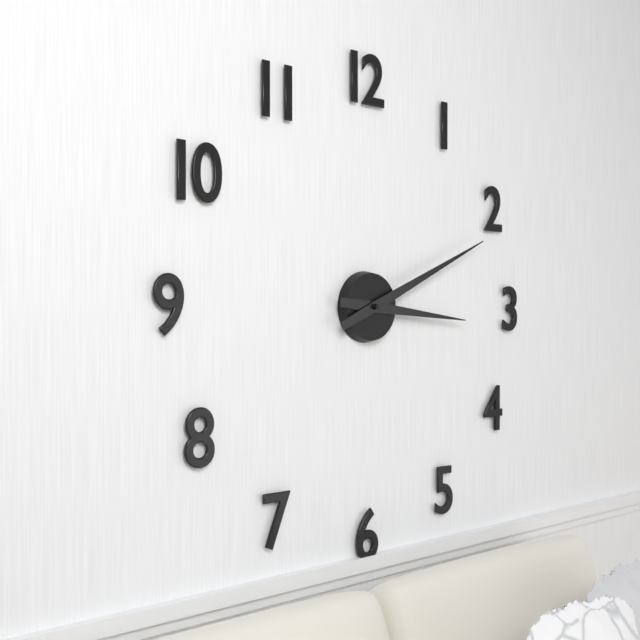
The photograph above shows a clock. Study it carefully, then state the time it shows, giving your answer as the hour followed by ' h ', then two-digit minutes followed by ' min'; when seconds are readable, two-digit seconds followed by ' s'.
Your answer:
3 h 11 min
